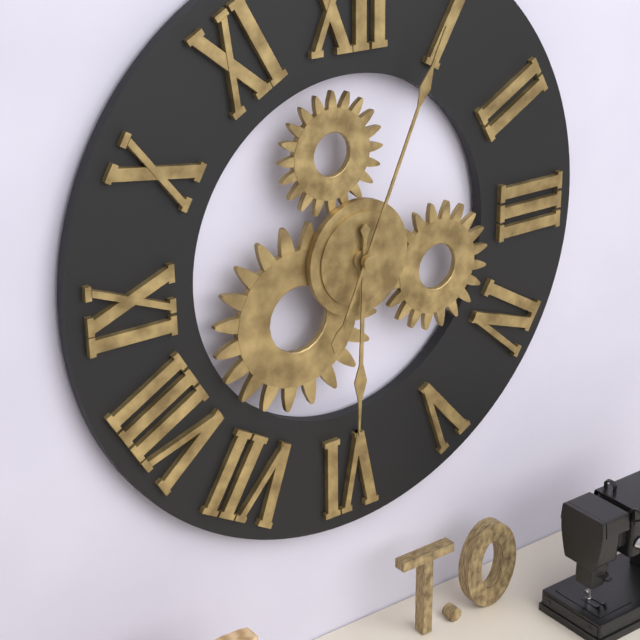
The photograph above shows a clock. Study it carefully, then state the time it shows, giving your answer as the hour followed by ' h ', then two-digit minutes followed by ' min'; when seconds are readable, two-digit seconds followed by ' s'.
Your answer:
6 h 04 min
